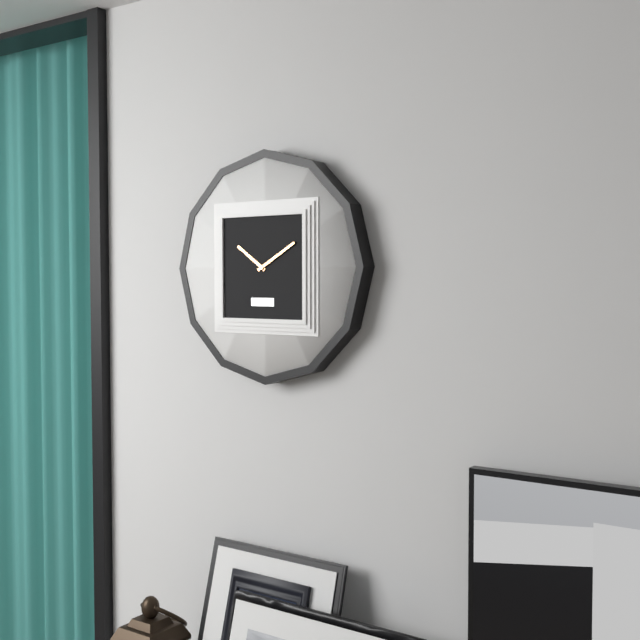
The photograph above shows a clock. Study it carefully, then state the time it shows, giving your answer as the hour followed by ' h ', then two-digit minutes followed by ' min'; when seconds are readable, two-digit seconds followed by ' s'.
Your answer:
10 h 10 min
